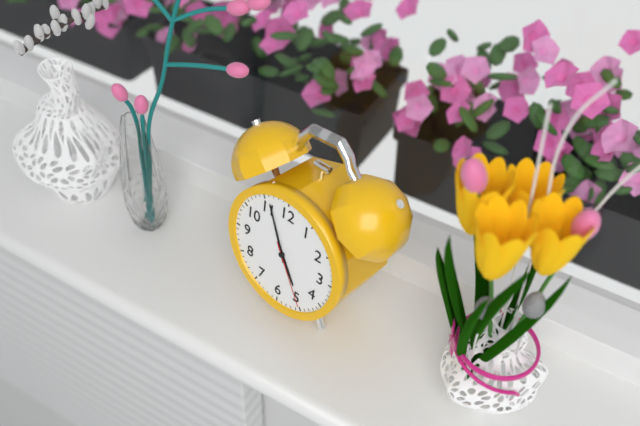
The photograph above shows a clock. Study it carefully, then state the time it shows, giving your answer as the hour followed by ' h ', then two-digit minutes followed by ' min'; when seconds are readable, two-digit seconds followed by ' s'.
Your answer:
4 h 56 min 25 s
